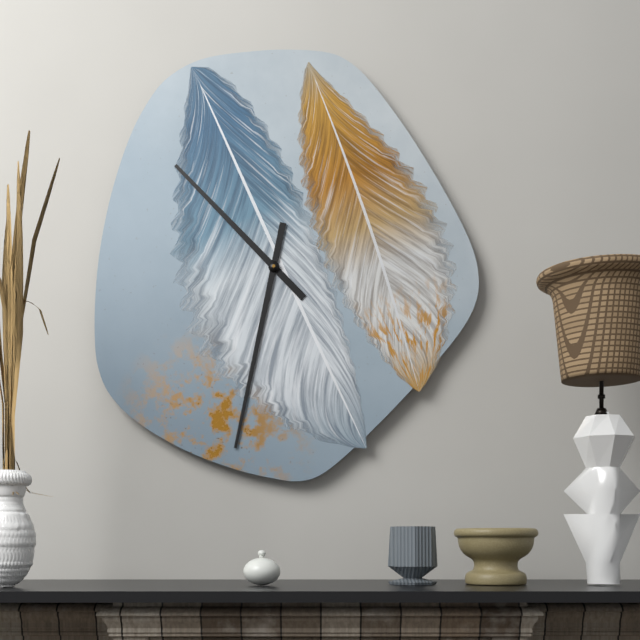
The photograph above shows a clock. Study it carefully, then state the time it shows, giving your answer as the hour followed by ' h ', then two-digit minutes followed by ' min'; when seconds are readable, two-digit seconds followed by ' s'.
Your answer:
10 h 32 min
